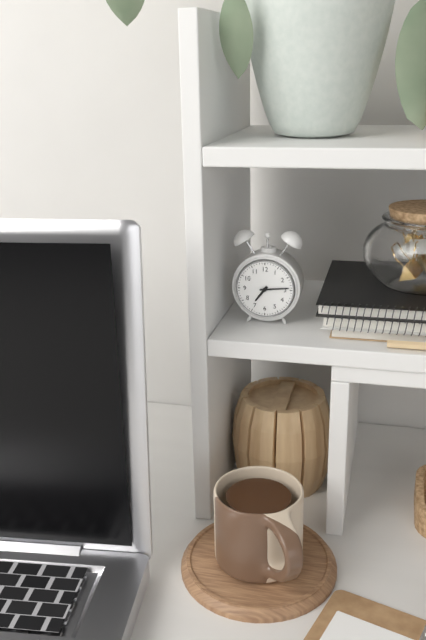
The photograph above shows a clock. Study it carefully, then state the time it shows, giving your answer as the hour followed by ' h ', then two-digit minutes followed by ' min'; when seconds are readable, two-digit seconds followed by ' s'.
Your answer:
7 h 14 min
